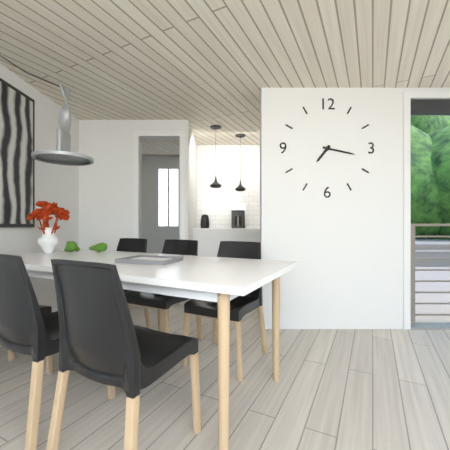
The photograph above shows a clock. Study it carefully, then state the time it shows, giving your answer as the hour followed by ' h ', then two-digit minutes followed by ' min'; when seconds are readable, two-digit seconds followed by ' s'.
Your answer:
7 h 17 min
